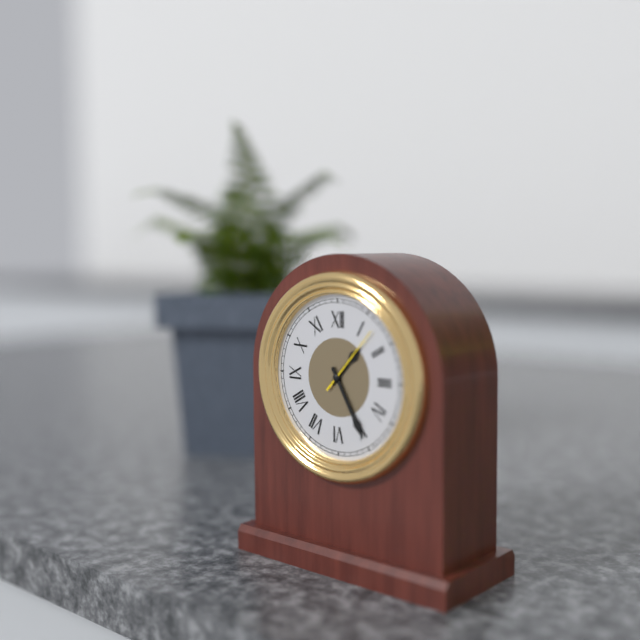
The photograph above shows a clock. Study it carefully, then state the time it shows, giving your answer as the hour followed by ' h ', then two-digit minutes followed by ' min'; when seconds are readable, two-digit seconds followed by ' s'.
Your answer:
1 h 25 min 07 s
